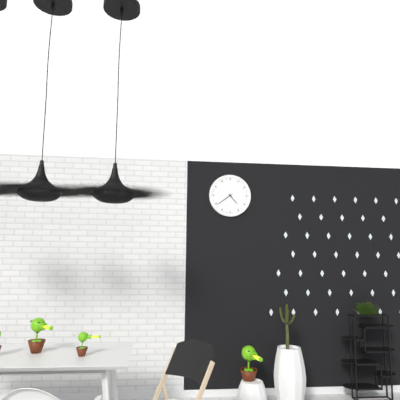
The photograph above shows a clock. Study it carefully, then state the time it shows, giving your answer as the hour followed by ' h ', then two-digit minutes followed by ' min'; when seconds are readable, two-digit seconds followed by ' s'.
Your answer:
4 h 39 min
